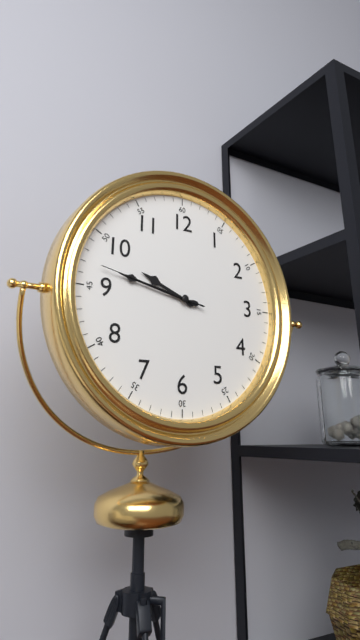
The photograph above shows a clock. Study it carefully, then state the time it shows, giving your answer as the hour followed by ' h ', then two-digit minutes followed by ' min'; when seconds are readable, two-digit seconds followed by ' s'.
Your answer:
9 h 47 min 47 s
